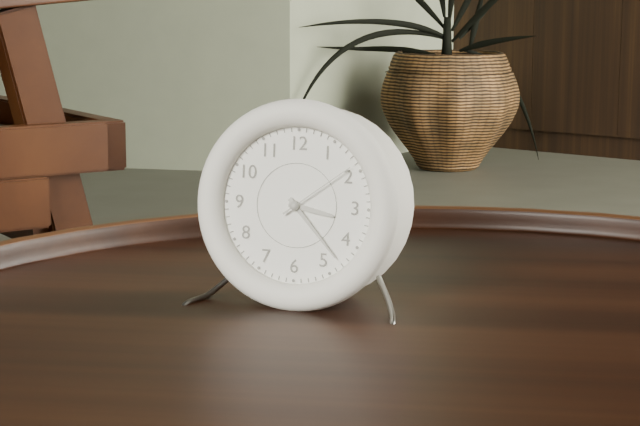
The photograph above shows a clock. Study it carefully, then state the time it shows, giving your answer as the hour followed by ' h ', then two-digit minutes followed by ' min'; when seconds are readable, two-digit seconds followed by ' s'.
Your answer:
3 h 23 min 09 s
